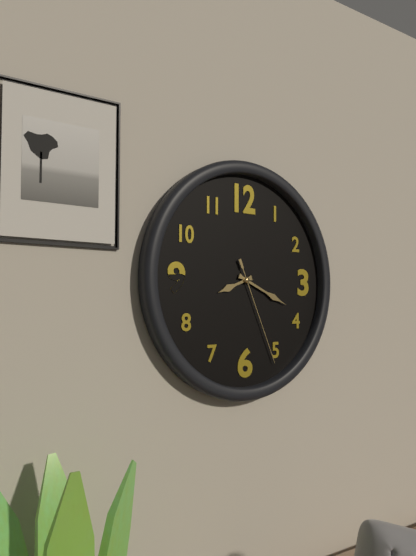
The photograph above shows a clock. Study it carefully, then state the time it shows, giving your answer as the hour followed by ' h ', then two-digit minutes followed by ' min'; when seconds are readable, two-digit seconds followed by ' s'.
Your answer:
8 h 19 min 26 s
